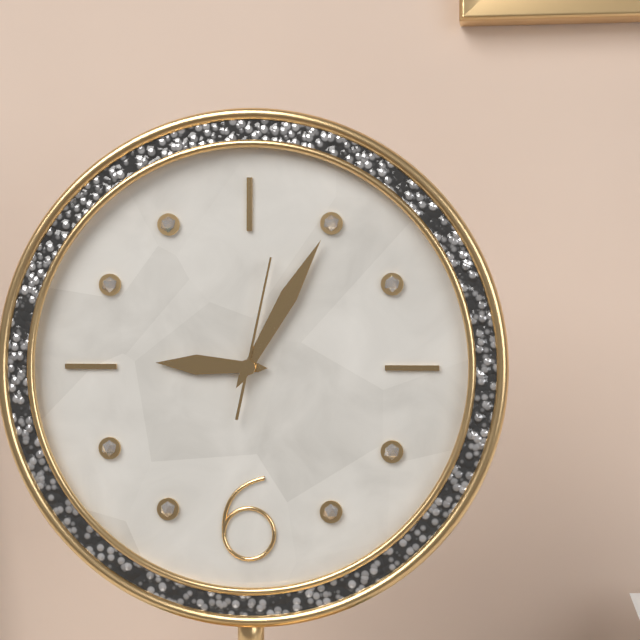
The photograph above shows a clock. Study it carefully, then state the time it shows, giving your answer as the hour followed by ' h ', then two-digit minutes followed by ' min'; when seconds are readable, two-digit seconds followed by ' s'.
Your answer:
9 h 05 min 02 s
